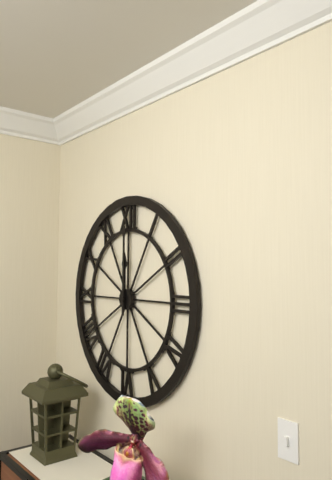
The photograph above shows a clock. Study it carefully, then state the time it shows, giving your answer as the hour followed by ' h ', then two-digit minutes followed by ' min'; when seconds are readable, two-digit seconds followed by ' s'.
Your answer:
12 h 00 min
